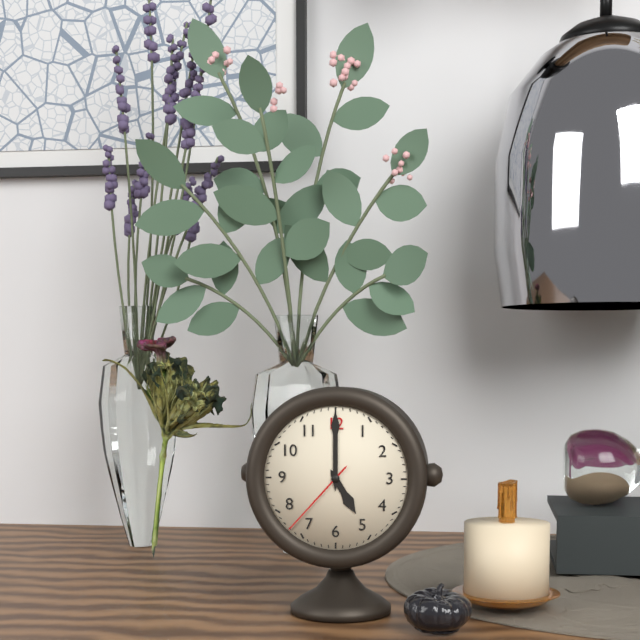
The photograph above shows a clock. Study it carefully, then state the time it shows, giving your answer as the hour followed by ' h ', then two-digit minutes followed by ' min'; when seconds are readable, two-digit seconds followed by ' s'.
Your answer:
5 h 00 min 37 s
